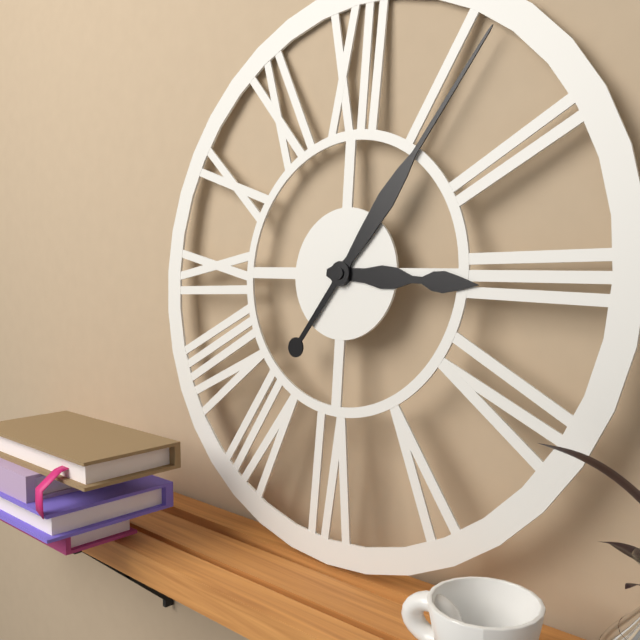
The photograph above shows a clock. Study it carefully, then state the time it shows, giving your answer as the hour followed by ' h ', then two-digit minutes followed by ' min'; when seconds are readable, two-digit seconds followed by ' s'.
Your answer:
3 h 06 min
